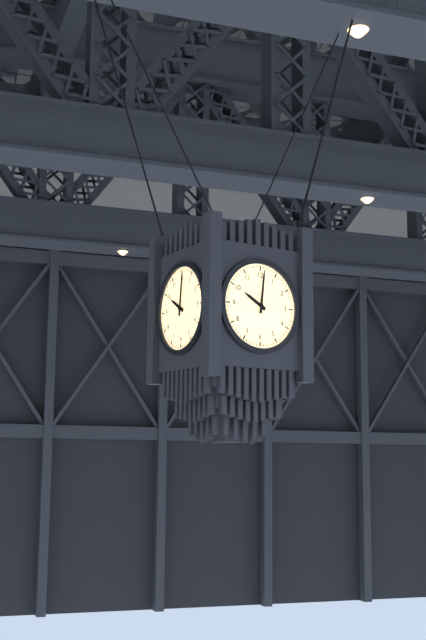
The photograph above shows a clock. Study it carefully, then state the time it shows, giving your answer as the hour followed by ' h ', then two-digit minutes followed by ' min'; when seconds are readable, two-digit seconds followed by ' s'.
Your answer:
10 h 01 min
